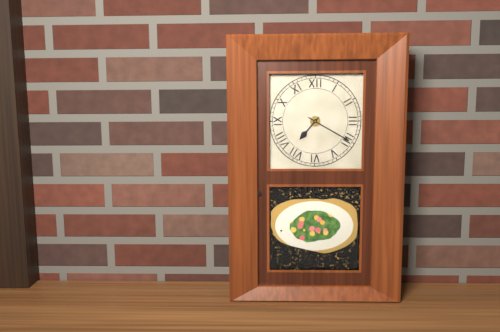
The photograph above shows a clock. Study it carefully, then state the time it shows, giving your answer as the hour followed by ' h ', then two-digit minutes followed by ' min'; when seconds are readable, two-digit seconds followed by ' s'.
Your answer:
7 h 20 min
